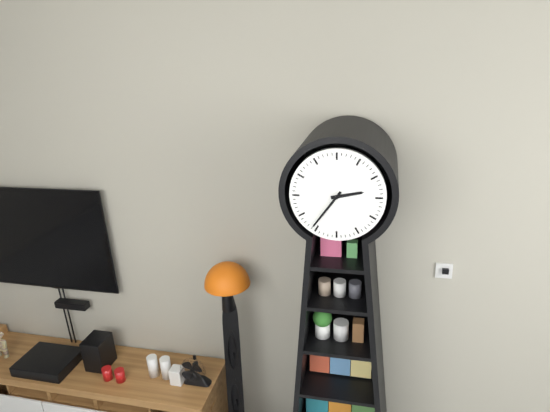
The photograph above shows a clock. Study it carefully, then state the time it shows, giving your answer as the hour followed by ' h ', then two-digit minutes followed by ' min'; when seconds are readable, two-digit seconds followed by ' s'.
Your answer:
2 h 36 min
